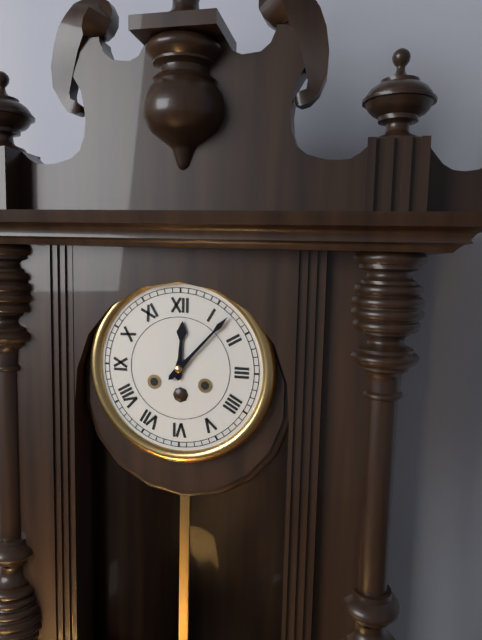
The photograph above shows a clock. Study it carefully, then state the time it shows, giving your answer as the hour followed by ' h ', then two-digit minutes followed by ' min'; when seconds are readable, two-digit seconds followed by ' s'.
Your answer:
12 h 07 min
